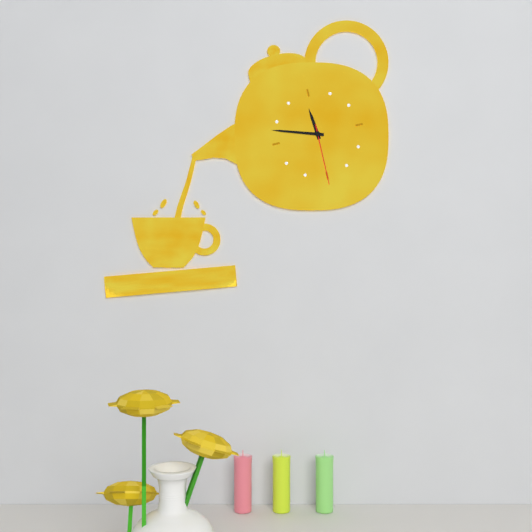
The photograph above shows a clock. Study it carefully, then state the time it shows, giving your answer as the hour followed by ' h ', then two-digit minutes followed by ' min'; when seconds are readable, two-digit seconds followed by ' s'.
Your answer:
11 h 48 min 30 s
